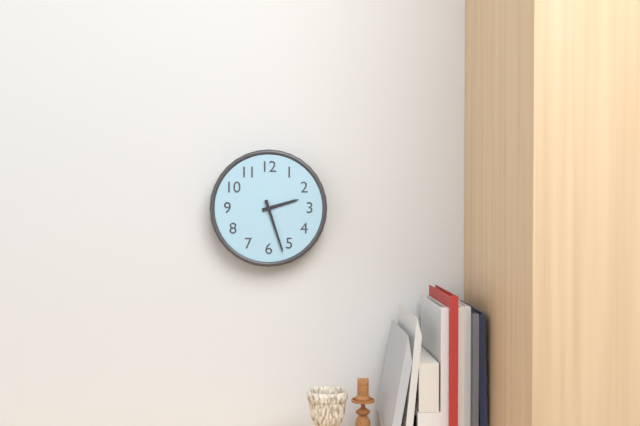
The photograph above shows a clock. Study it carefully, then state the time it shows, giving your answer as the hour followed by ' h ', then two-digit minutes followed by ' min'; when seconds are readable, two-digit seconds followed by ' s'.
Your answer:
2 h 27 min
